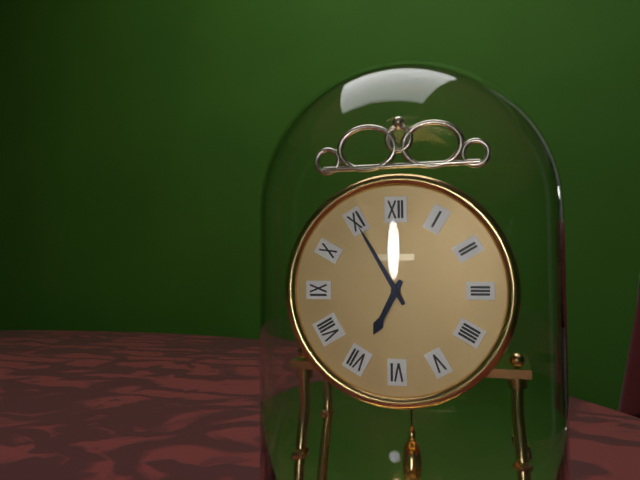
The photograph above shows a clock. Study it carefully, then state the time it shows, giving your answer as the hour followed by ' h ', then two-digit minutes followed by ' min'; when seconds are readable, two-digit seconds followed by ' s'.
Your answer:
6 h 55 min
